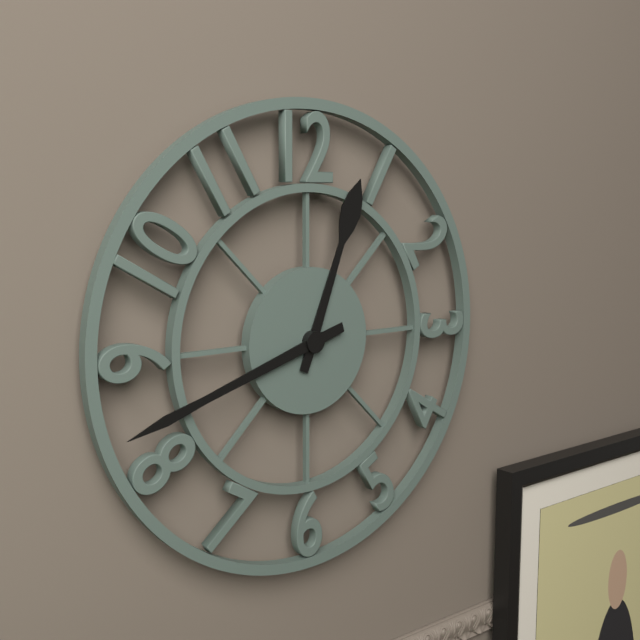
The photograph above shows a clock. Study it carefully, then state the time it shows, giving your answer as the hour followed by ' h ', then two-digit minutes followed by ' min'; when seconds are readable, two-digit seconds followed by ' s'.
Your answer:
12 h 42 min
